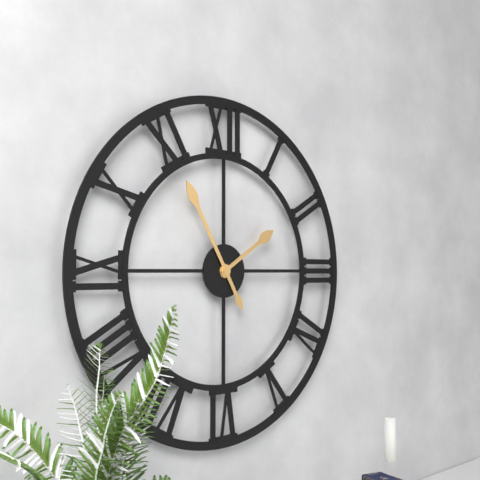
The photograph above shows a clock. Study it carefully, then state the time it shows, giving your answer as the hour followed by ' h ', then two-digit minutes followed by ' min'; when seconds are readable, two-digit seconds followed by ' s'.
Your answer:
1 h 55 min
